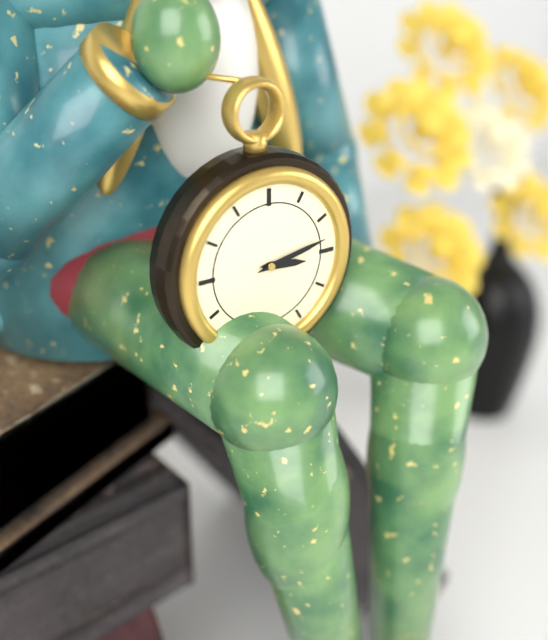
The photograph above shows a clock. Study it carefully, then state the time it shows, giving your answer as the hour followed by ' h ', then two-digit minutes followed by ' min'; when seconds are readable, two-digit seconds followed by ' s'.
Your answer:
3 h 13 min
